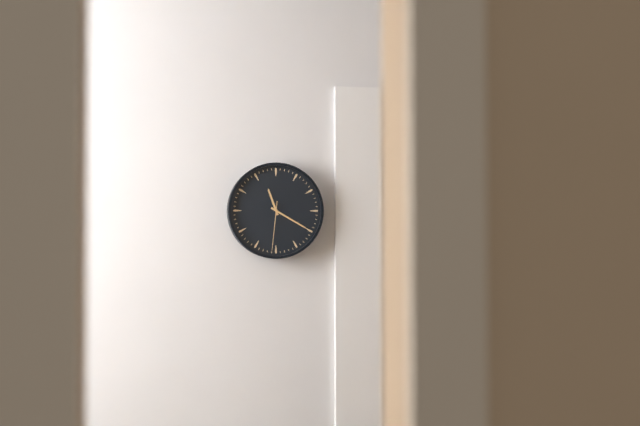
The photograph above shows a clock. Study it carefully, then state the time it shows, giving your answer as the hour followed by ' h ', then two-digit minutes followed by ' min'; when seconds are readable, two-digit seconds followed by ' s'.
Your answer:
11 h 20 min
